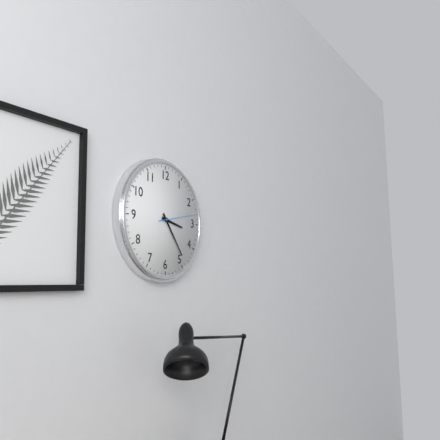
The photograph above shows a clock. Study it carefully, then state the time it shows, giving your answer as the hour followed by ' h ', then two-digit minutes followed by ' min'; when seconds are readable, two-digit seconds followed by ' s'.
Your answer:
3 h 24 min
